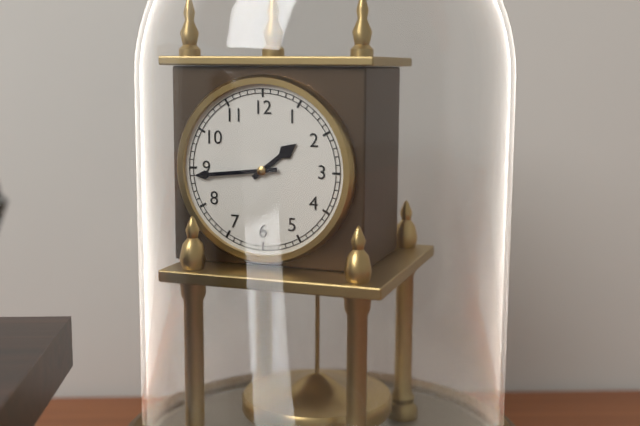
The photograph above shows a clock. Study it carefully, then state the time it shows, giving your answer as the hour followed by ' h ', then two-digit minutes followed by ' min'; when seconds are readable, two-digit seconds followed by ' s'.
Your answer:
1 h 44 min
